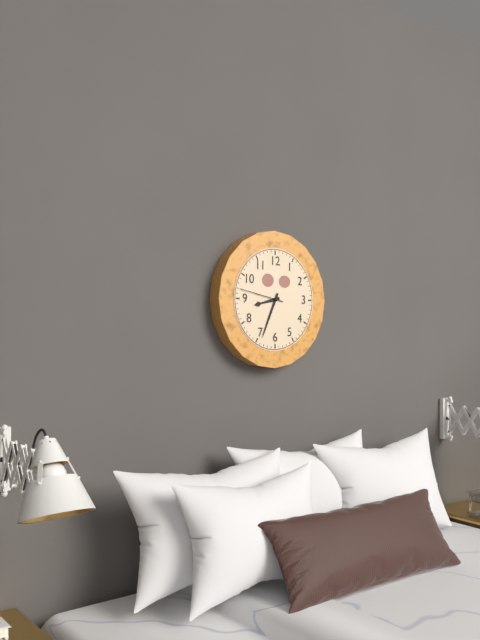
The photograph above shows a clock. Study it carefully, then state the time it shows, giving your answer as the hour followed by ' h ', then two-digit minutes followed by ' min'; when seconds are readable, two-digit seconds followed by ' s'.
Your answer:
8 h 34 min
